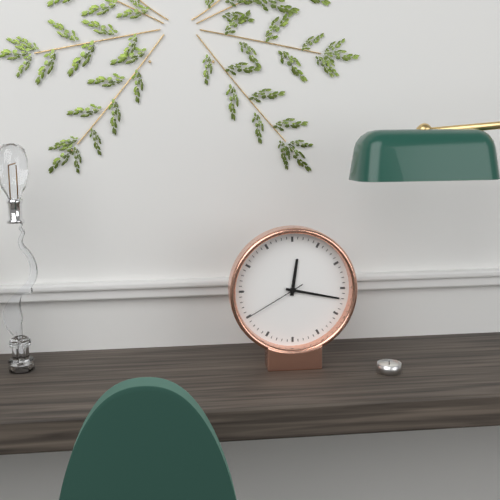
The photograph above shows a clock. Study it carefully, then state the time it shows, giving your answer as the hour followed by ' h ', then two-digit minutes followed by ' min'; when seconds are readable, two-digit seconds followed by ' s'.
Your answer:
12 h 17 min 40 s
